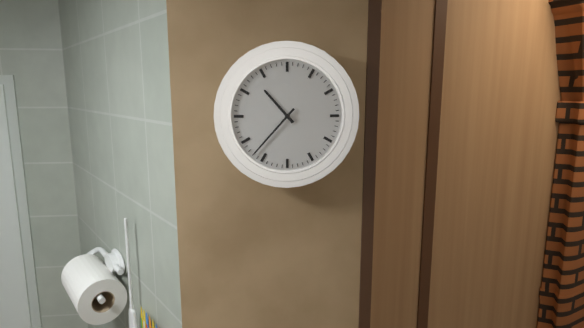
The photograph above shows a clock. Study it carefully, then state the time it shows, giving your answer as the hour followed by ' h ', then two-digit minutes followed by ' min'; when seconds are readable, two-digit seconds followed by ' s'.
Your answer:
10 h 37 min
